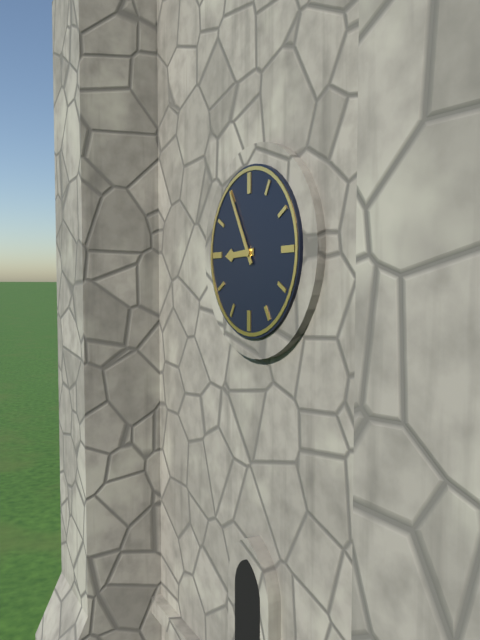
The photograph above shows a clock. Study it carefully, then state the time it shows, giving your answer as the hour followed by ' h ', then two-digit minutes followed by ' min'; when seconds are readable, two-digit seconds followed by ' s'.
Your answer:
8 h 55 min
